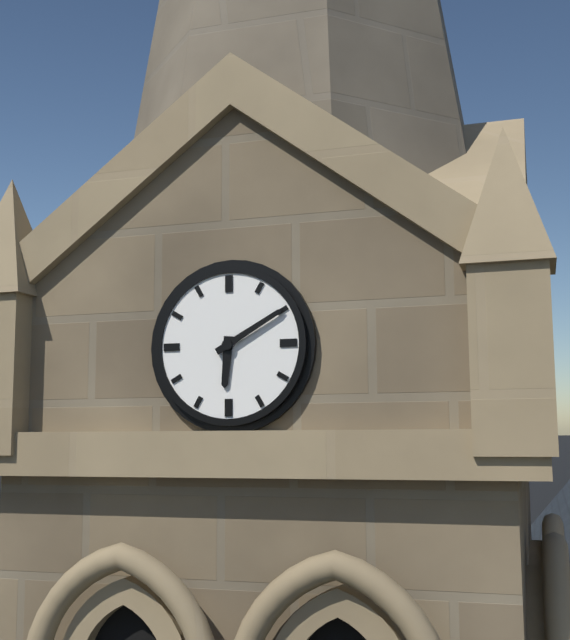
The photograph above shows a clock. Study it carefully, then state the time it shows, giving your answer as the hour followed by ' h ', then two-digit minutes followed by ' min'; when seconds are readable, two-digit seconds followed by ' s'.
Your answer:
6 h 10 min
